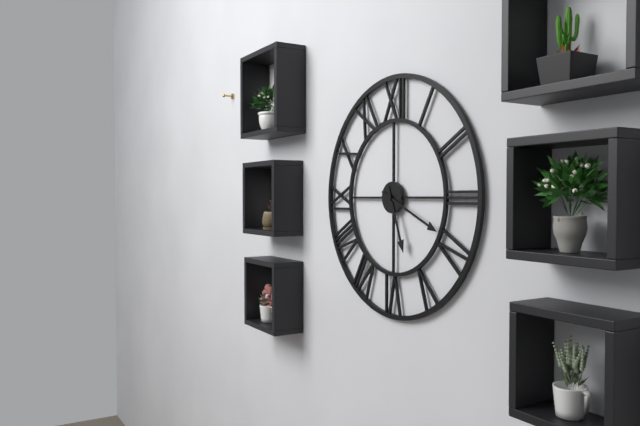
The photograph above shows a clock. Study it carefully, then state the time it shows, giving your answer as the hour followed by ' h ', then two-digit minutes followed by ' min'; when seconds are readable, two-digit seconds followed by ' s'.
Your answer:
5 h 19 min
